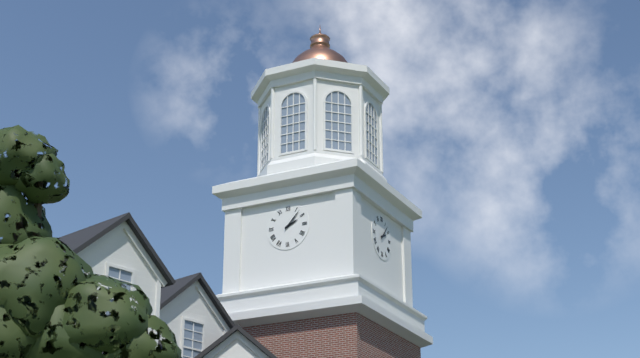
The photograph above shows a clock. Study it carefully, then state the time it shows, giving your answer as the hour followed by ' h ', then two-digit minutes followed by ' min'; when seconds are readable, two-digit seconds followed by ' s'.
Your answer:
2 h 07 min
